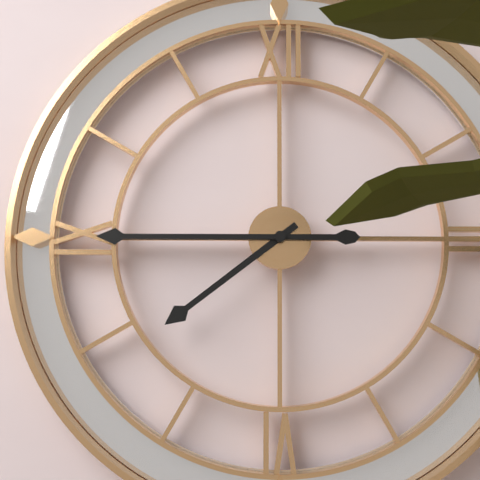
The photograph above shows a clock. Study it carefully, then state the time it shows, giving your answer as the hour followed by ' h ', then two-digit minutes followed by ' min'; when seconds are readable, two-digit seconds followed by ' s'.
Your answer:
7 h 45 min
